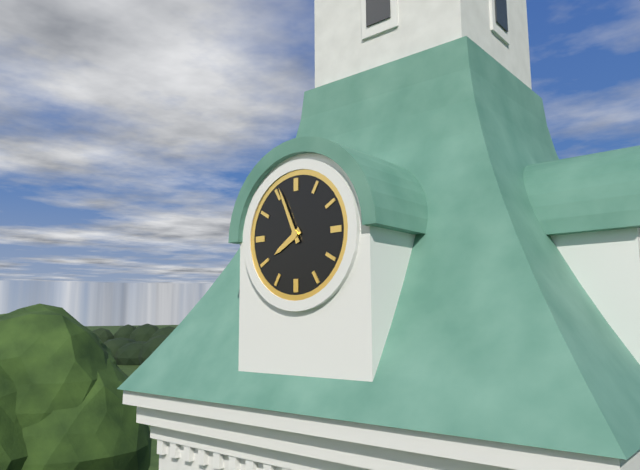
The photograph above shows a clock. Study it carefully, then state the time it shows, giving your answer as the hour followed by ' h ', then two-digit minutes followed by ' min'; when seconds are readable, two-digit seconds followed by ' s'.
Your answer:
7 h 56 min
